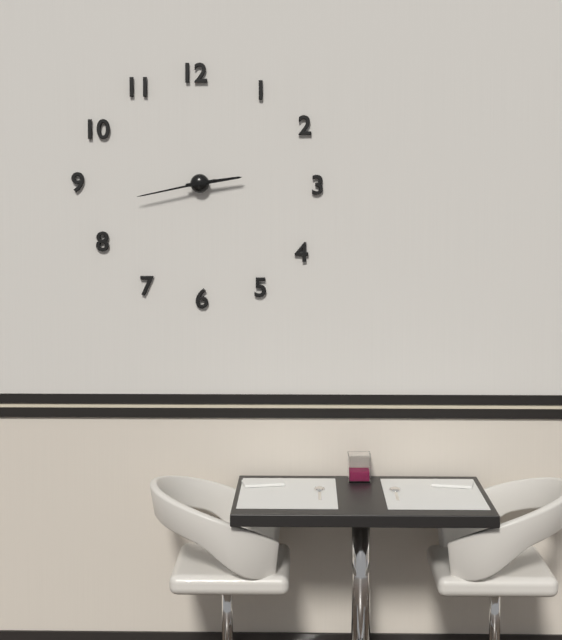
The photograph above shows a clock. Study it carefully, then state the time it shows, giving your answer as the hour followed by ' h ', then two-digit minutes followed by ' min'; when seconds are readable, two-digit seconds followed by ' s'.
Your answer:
2 h 43 min
